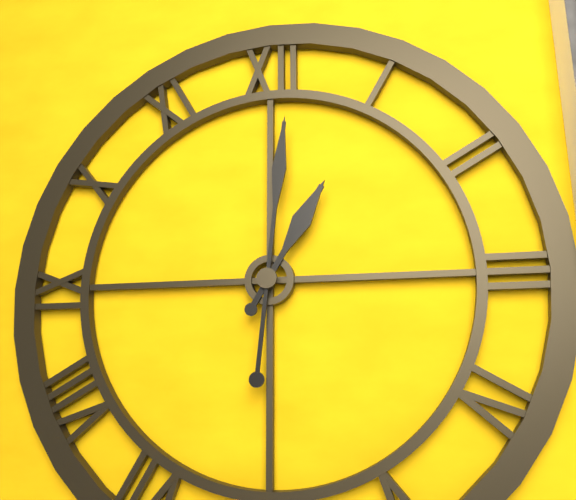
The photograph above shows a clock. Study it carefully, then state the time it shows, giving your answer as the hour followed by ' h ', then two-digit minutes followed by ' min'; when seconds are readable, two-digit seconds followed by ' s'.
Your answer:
1 h 01 min
